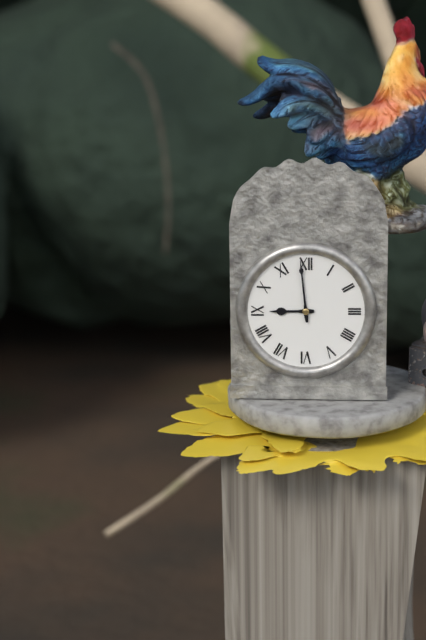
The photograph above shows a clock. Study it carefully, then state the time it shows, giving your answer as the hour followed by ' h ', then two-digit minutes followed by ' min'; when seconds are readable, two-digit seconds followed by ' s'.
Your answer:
8 h 59 min
